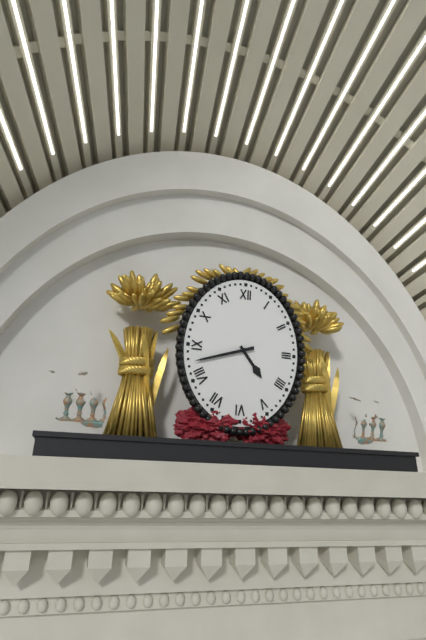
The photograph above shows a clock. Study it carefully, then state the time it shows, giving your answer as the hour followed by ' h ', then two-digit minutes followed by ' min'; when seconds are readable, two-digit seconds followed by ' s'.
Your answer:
4 h 42 min
